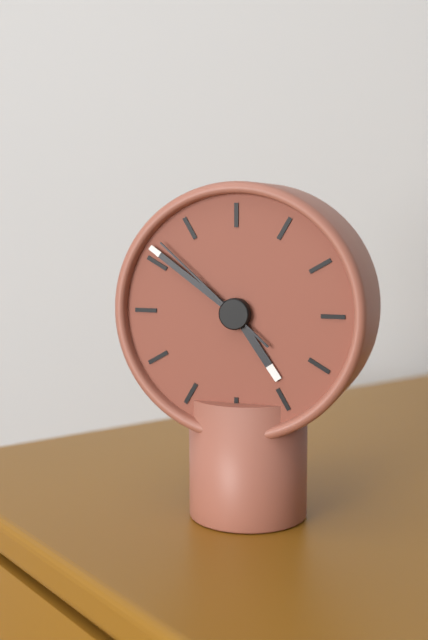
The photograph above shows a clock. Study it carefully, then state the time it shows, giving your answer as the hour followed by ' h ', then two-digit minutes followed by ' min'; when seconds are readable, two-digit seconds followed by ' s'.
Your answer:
4 h 51 min 52 s
